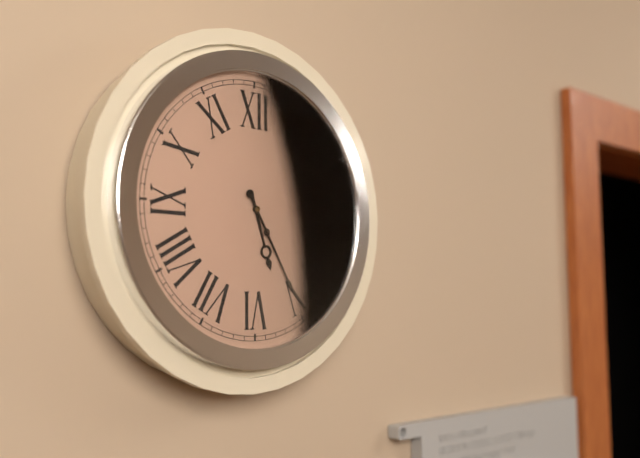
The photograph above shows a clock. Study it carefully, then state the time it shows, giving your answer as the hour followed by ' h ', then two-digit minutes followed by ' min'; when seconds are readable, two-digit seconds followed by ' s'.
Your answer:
5 h 25 min
